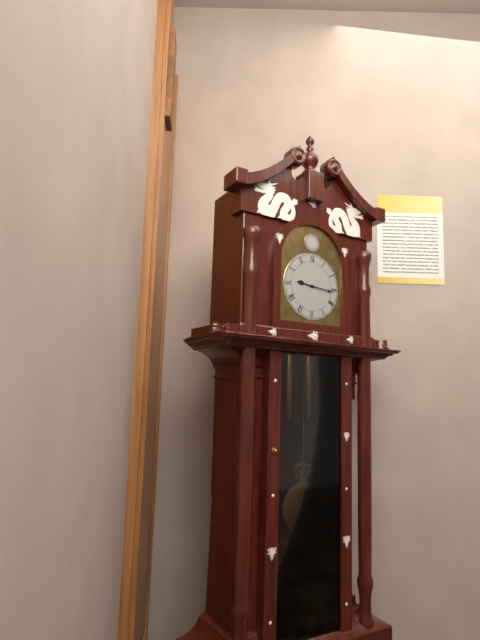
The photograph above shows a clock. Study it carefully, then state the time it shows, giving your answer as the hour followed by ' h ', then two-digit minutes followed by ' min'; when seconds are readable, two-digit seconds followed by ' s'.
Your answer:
9 h 16 min
